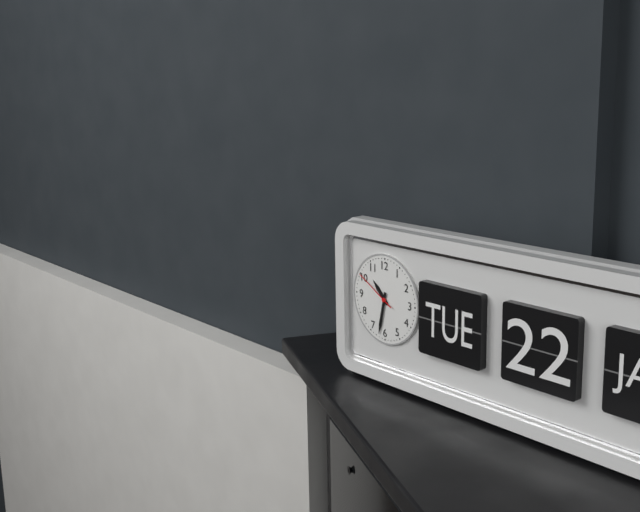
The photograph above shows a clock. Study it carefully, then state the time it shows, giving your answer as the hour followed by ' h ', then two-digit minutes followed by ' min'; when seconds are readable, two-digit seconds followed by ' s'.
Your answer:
10 h 32 min
